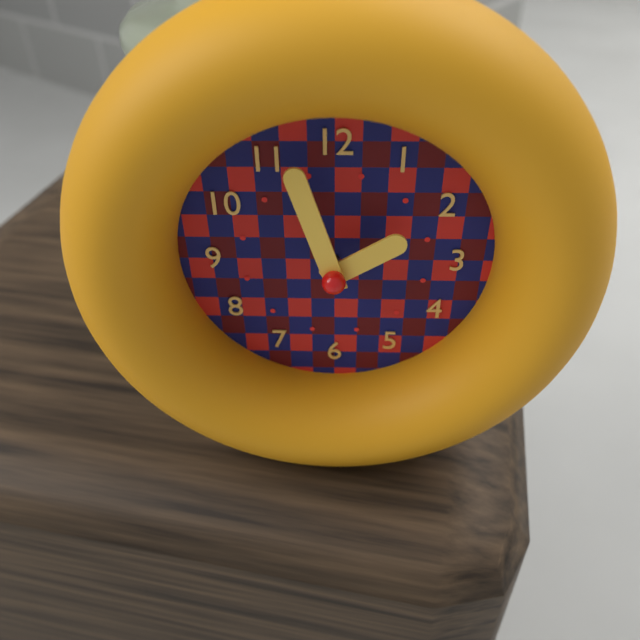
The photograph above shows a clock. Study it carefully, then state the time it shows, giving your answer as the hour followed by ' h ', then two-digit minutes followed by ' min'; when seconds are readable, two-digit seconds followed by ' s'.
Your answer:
1 h 57 min
